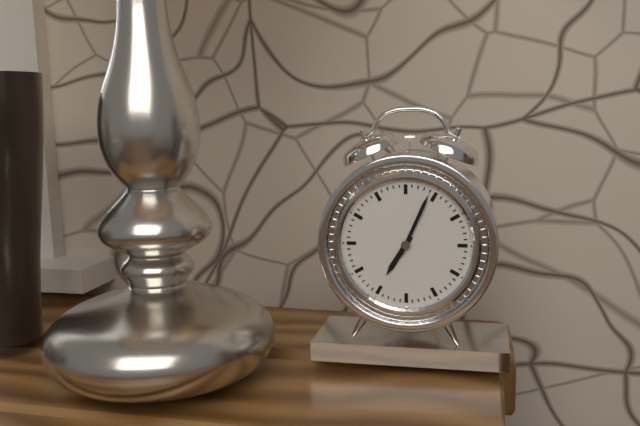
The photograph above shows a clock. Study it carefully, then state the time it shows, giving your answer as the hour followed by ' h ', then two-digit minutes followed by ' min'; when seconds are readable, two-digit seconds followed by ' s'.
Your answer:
7 h 04 min
